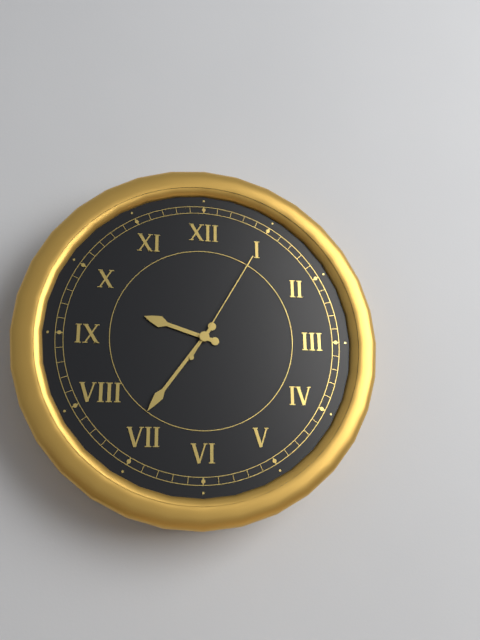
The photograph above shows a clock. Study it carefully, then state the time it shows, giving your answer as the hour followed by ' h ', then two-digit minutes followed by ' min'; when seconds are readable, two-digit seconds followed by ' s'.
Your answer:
9 h 36 min 05 s
